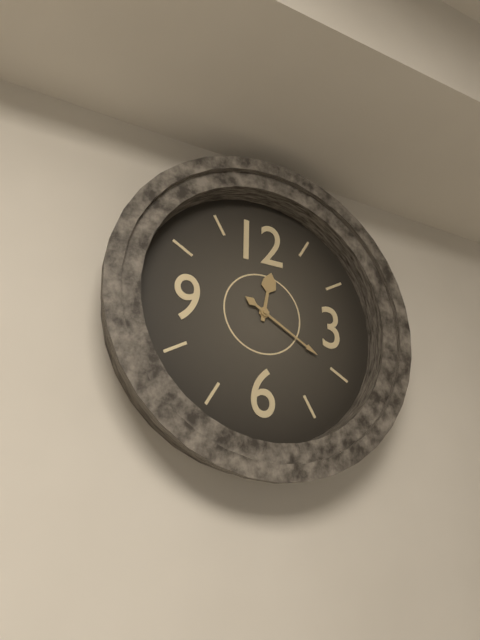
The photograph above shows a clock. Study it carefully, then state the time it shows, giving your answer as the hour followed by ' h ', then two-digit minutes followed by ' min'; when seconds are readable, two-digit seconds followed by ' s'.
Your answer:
12 h 20 min
